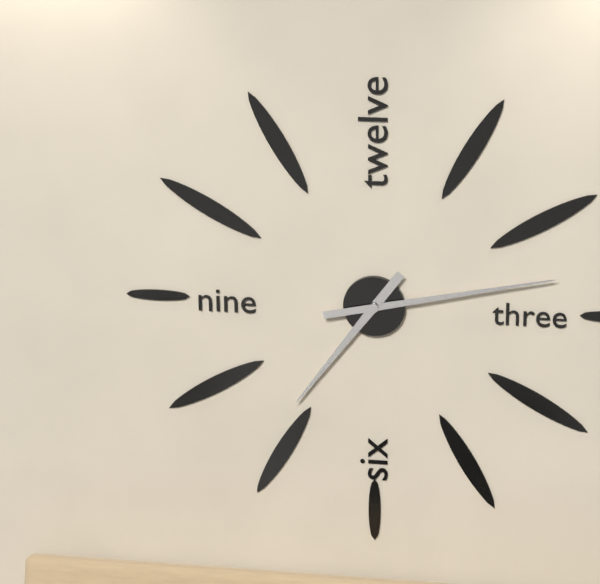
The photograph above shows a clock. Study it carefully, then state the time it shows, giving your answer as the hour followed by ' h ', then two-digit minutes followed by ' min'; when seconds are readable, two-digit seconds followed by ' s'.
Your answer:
7 h 13 min
